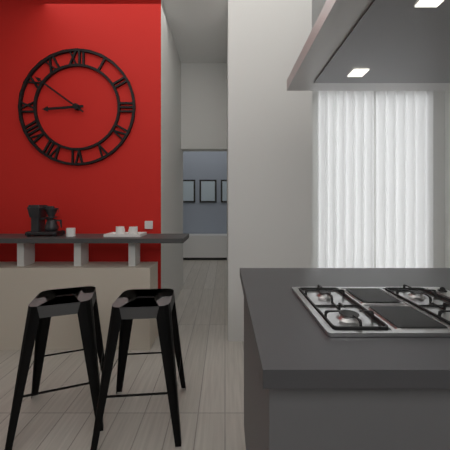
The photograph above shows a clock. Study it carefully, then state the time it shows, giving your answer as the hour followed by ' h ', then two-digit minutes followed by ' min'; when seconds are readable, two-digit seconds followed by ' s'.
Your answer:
8 h 51 min
